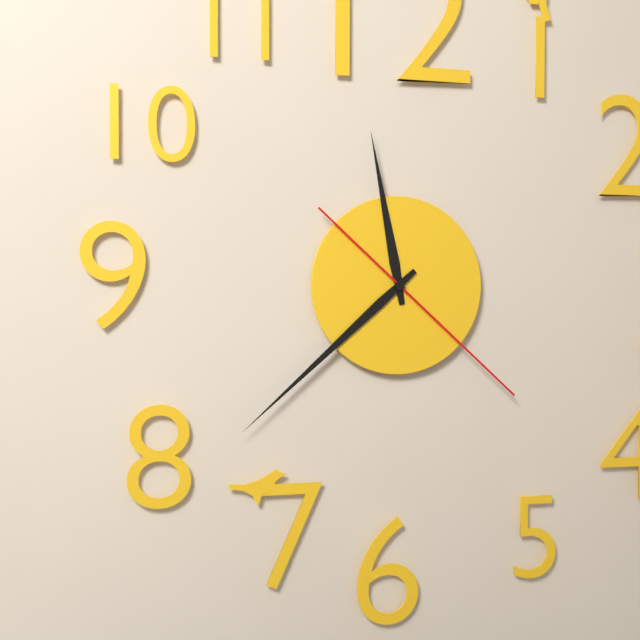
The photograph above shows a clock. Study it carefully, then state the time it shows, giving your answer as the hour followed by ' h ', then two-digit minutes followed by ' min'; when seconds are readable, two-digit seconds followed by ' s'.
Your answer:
11 h 38 min 22 s
